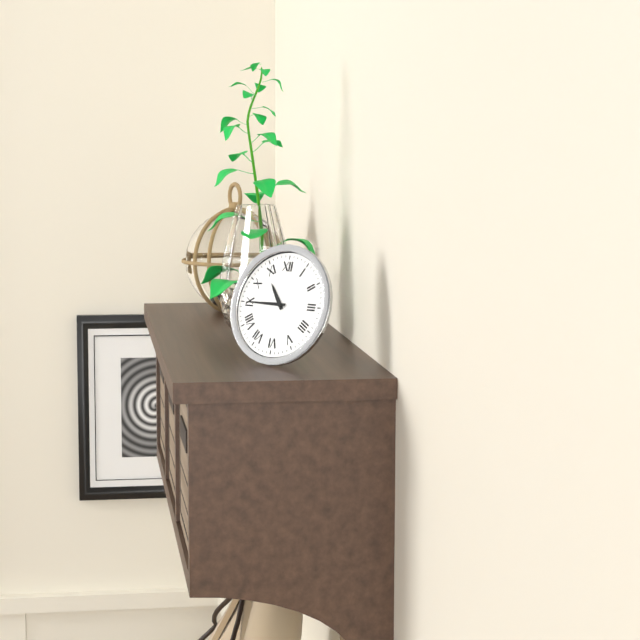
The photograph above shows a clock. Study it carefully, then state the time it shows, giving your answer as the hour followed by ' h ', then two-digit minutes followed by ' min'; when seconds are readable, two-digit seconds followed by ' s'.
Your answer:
10 h 45 min
